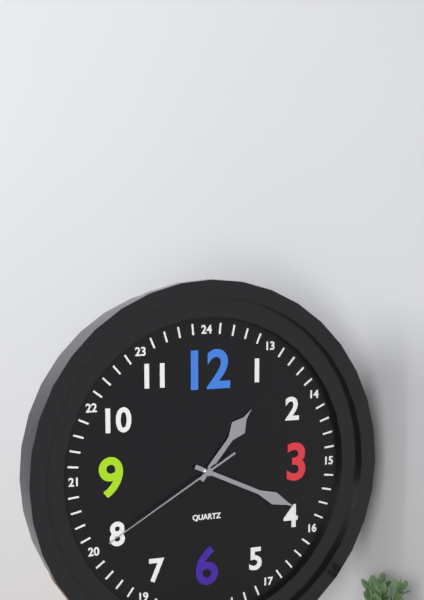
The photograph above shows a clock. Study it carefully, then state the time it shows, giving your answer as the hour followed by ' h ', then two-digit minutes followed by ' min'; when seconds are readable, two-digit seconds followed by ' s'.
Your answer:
1 h 19 min 40 s
